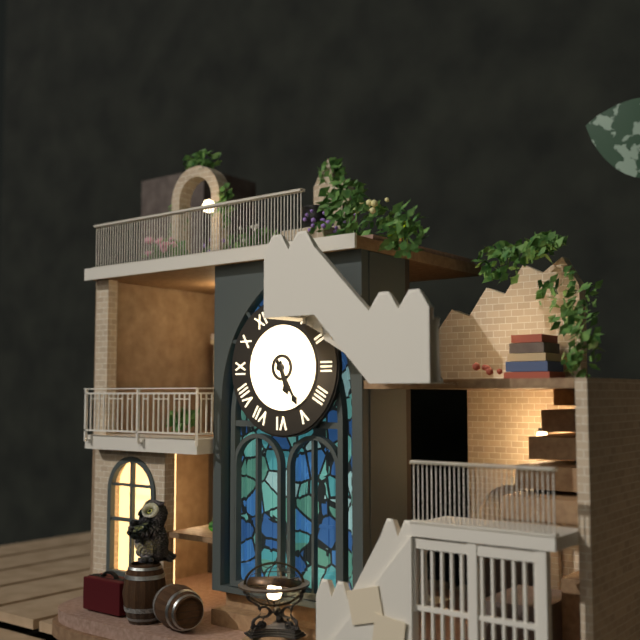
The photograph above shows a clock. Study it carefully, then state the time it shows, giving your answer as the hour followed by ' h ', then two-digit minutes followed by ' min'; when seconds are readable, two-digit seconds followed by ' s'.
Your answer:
5 h 25 min
